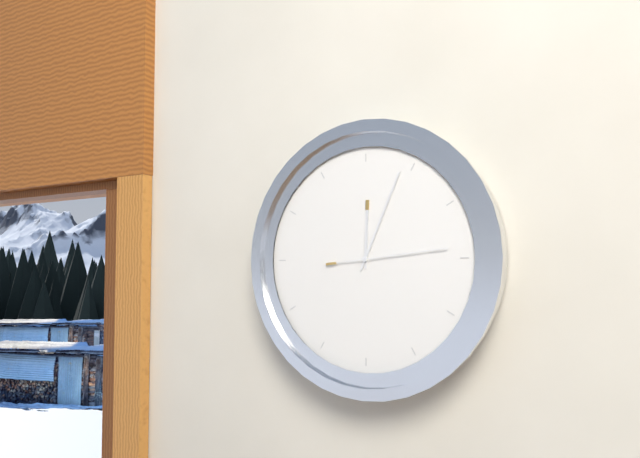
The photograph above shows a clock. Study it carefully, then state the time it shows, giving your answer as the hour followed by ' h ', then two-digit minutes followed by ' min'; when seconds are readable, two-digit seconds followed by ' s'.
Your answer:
12 h 04 min 14 s
